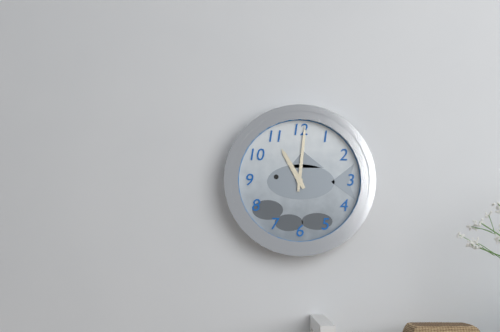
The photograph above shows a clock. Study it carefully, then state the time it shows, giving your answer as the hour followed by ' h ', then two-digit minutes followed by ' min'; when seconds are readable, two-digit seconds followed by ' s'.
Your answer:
11 h 01 min
